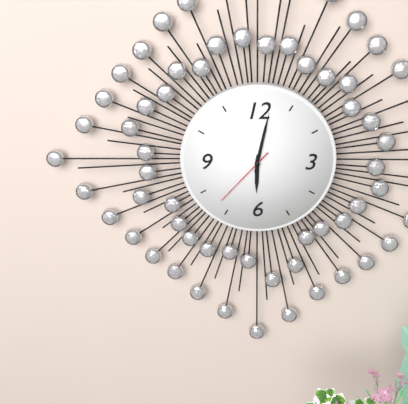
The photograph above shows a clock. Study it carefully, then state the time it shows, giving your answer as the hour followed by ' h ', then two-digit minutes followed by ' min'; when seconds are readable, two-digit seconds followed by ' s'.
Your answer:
6 h 02 min 37 s
